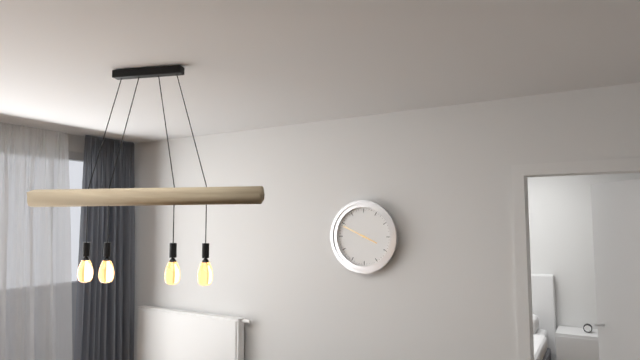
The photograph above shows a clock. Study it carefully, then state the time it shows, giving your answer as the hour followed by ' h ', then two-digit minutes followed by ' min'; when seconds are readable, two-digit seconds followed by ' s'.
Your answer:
3 h 49 min
